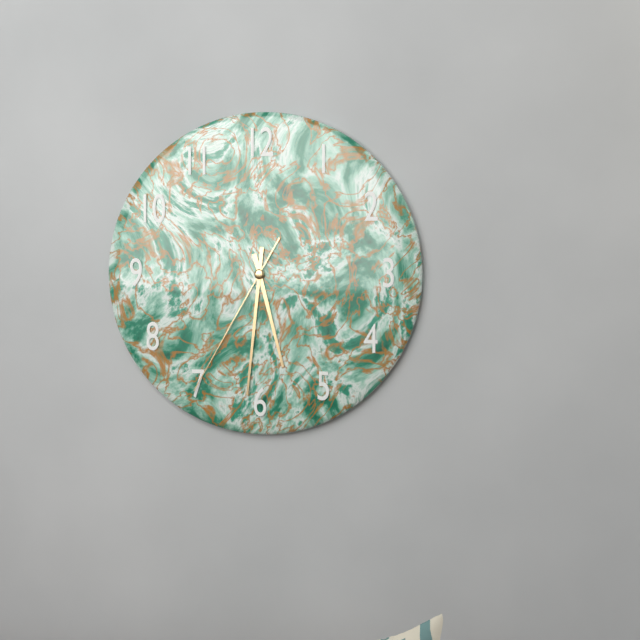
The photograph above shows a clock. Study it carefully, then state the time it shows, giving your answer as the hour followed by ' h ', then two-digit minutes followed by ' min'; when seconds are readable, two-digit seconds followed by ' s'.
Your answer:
5 h 31 min 35 s
